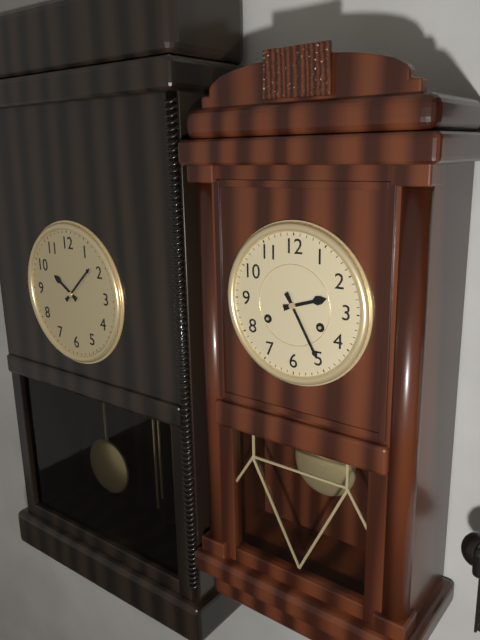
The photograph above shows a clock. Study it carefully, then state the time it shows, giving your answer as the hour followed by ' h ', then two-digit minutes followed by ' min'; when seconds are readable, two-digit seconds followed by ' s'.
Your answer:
2 h 25 min
